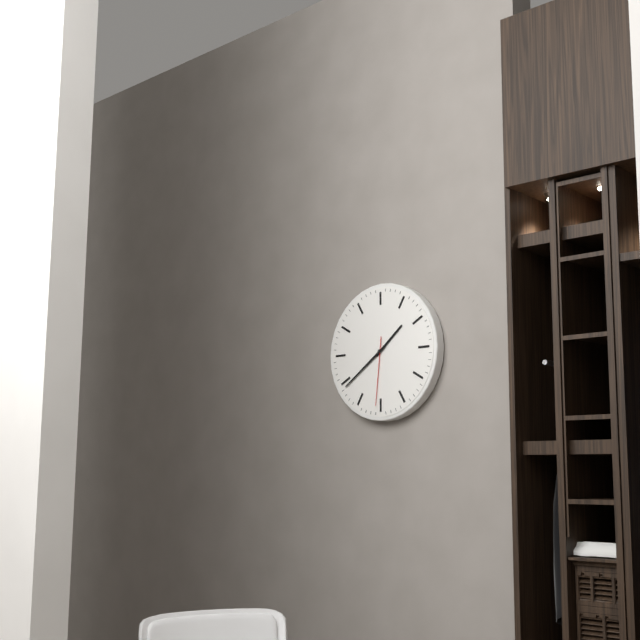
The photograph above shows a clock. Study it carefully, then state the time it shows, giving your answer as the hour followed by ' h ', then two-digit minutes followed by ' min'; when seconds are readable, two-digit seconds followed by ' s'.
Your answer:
1 h 39 min 31 s
